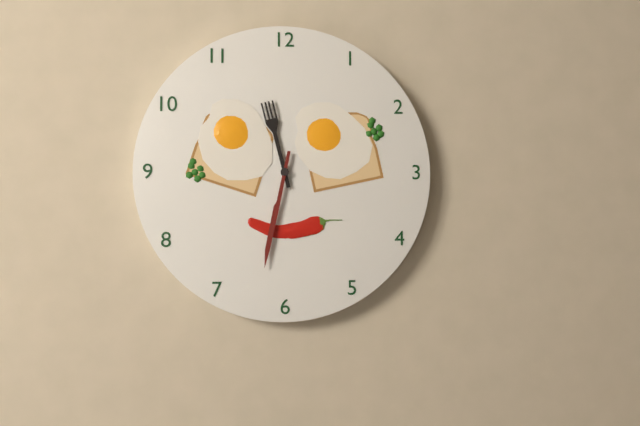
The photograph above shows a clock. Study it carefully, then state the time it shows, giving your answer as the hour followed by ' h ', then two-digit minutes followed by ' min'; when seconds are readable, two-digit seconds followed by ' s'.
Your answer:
11 h 32 min
